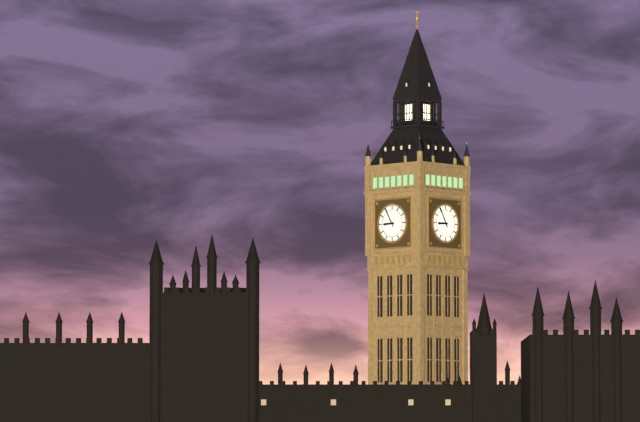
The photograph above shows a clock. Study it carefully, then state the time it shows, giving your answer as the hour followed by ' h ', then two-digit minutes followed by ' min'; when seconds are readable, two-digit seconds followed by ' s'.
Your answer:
8 h 55 min
